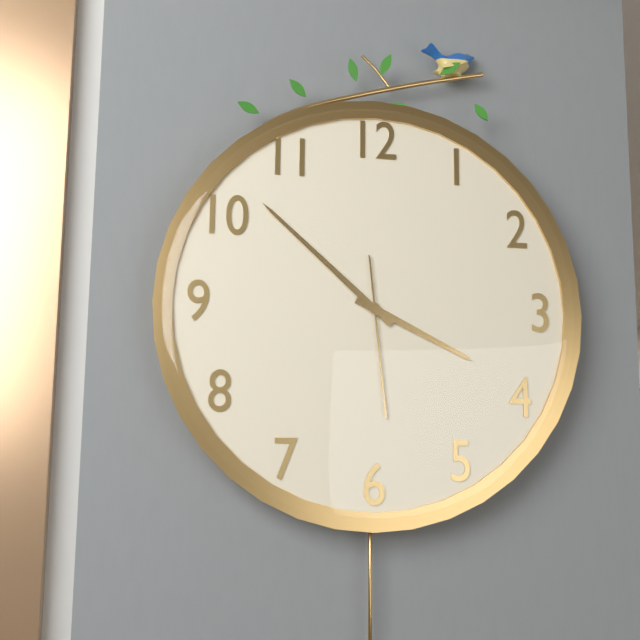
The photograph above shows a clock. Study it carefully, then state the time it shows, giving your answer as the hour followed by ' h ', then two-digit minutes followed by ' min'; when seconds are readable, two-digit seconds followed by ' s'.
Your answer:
3 h 52 min 29 s
